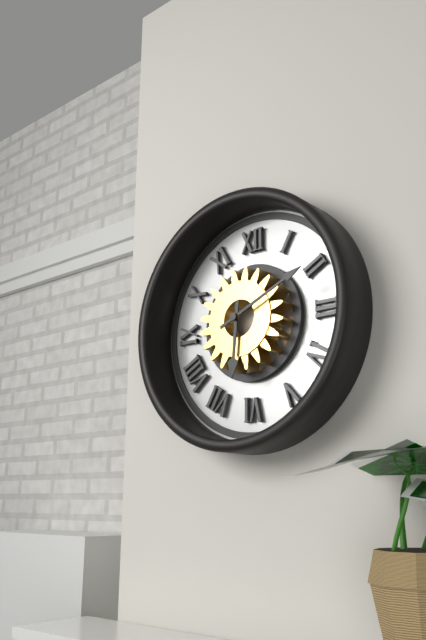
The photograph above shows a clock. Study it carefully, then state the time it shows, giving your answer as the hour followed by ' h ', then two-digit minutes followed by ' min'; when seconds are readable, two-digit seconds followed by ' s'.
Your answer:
6 h 11 min
